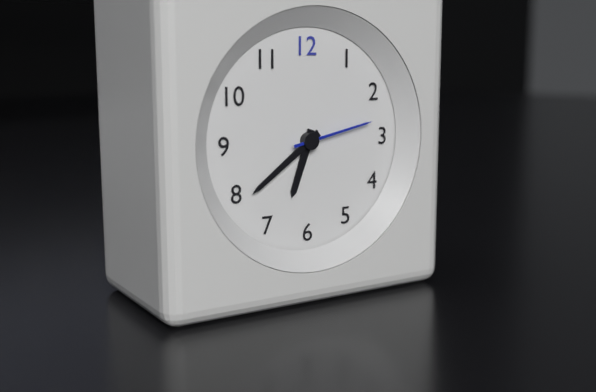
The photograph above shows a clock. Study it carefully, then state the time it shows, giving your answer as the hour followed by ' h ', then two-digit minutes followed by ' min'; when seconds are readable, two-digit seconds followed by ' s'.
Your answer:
6 h 39 min 13 s
